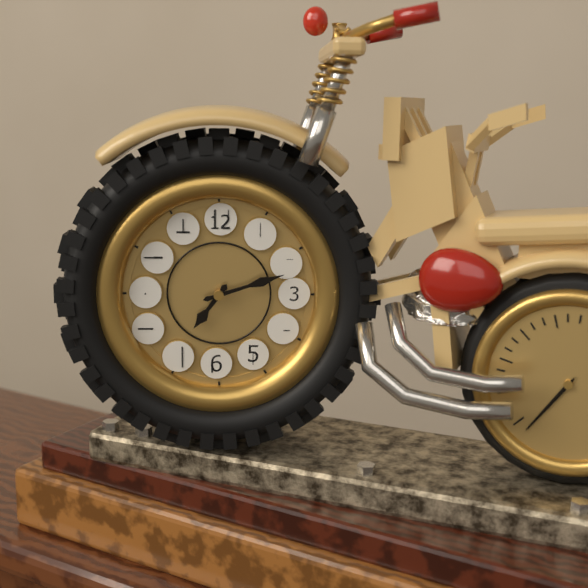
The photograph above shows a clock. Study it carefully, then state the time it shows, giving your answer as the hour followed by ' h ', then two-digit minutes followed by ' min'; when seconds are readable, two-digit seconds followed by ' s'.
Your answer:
7 h 12 min
